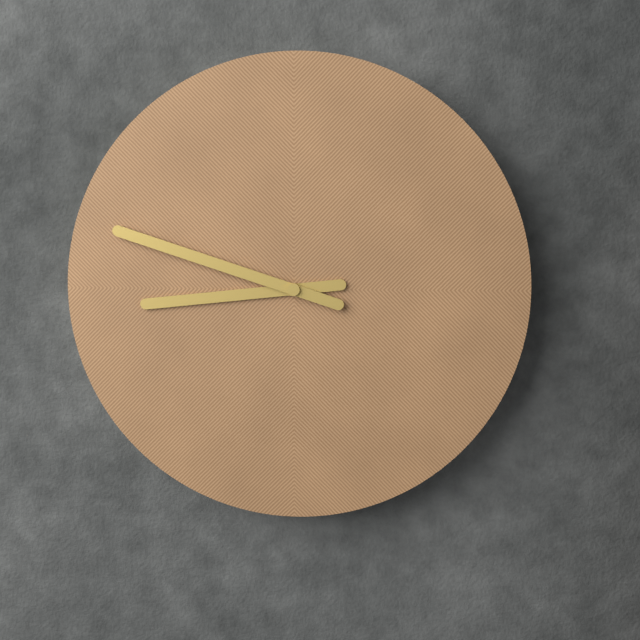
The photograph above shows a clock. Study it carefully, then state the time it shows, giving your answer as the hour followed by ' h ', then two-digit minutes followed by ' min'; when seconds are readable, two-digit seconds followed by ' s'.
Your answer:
8 h 48 min
